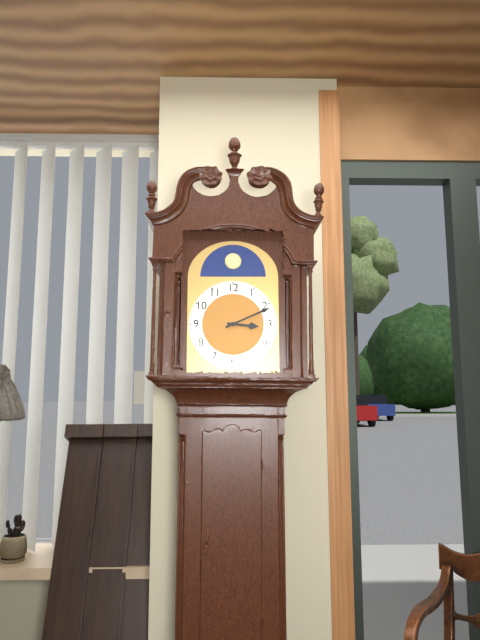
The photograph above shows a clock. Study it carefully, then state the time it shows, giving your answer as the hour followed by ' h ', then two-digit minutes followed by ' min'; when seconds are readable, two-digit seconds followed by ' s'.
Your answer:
3 h 11 min
